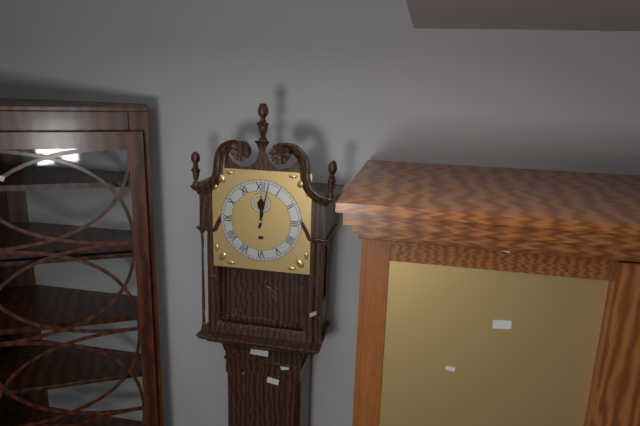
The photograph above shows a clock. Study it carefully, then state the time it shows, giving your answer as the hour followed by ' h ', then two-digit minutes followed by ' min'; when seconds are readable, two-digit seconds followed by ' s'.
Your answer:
12 h 02 min
